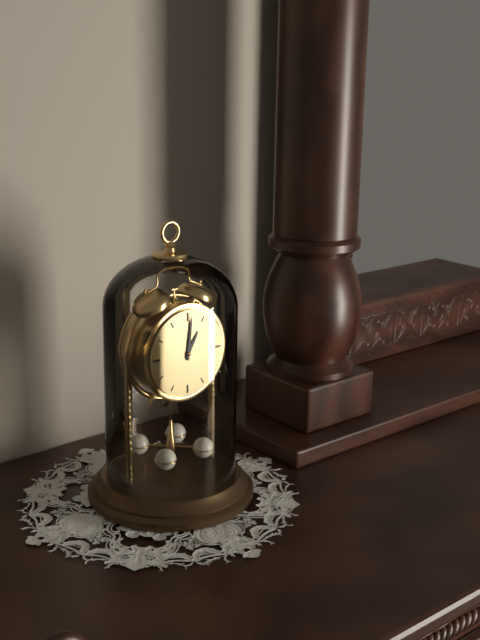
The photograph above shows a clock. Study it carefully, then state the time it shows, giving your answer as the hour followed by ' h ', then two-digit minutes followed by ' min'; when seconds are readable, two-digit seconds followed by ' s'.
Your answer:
1 h 01 min
